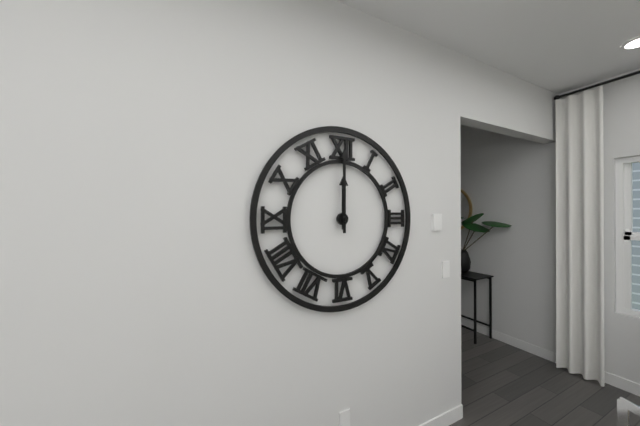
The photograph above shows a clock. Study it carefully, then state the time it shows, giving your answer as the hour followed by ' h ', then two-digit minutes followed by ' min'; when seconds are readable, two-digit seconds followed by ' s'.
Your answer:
12 h 00 min
